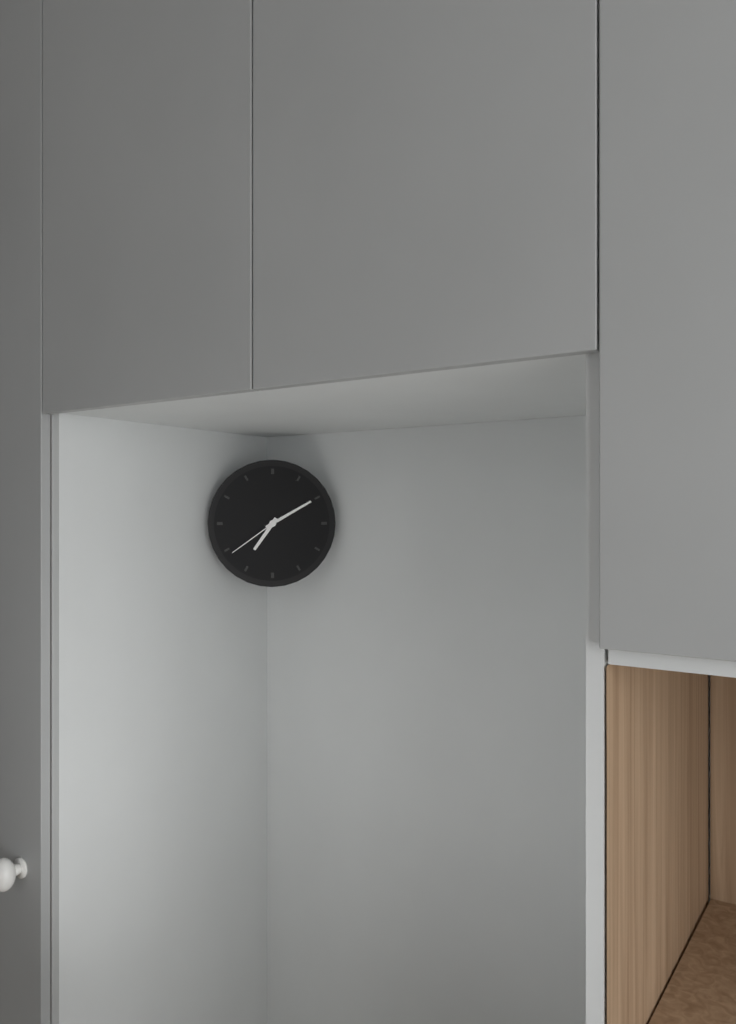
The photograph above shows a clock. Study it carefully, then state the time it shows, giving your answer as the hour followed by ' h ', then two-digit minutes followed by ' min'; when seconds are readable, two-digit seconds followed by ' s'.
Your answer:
7 h 10 min 39 s
